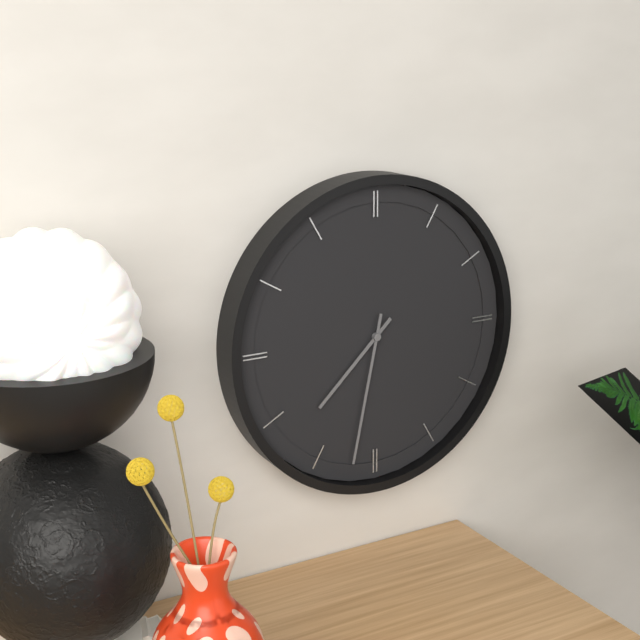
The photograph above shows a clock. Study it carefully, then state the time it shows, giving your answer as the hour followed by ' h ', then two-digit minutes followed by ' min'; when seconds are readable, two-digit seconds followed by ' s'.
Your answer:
7 h 32 min
